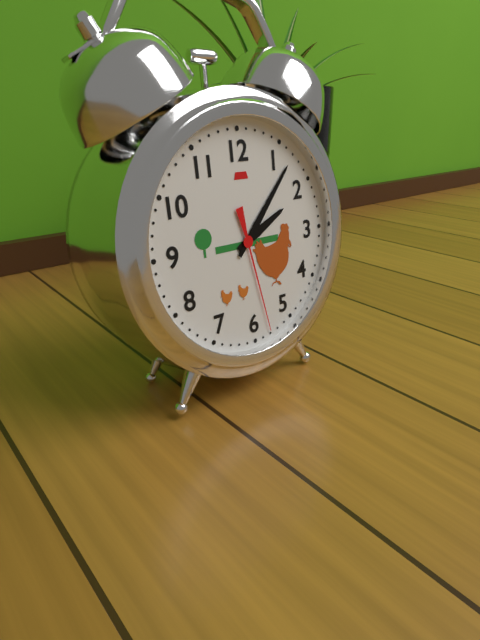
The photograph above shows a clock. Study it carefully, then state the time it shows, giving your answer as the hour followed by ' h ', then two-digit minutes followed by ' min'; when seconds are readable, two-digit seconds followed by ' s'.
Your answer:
2 h 07 min 28 s
